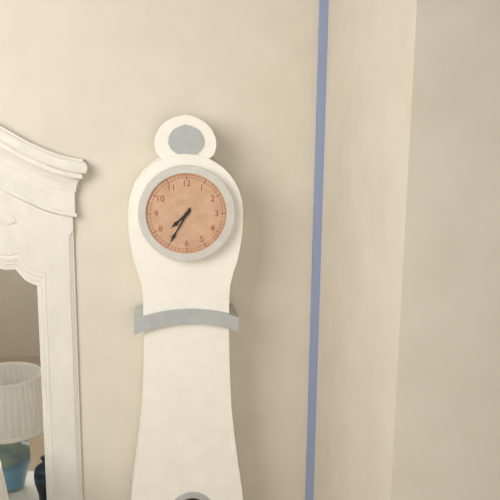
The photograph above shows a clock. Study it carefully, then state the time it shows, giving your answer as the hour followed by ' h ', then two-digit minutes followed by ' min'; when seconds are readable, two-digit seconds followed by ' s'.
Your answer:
7 h 35 min
